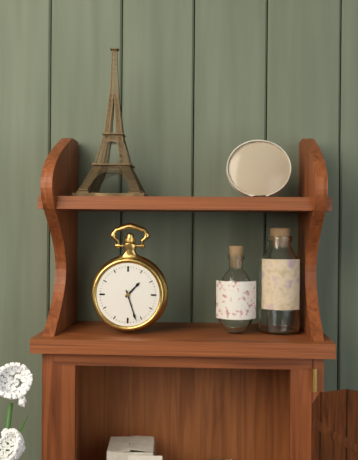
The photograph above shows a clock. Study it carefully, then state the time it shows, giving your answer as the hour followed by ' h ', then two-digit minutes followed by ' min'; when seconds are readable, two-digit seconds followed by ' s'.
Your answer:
1 h 27 min
